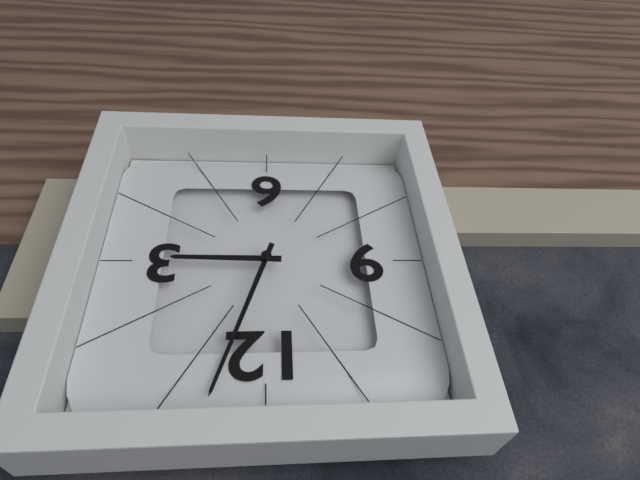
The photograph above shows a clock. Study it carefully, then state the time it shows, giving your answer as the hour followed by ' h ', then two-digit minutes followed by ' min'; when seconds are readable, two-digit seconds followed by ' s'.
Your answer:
3 h 03 min
